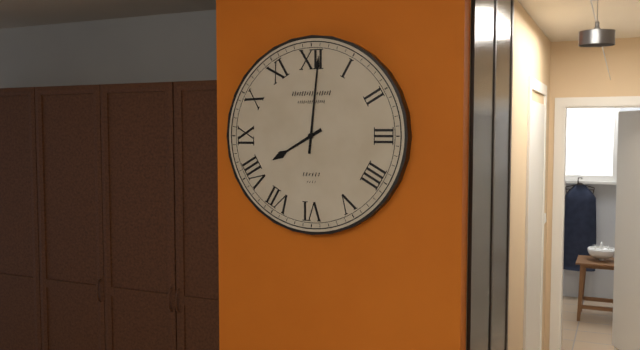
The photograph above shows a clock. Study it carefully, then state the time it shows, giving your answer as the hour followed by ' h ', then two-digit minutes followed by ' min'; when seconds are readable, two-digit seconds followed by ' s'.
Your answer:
8 h 01 min
